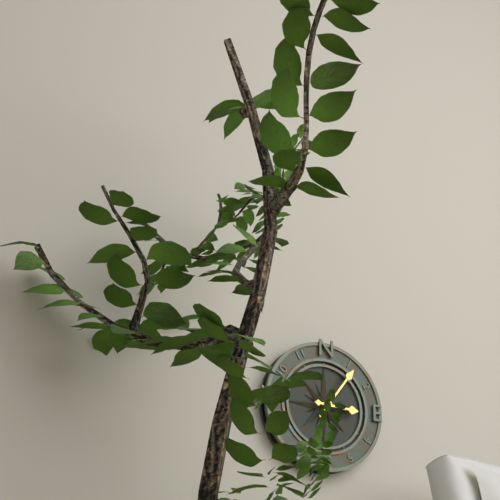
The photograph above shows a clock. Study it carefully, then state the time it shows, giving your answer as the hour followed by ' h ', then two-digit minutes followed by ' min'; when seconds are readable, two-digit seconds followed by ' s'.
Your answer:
3 h 06 min
